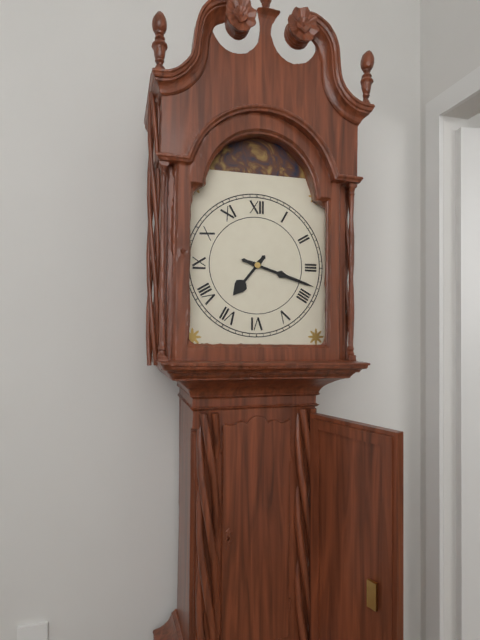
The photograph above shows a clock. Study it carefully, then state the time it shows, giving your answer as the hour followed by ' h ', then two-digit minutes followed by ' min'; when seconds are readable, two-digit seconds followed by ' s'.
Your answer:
7 h 18 min
